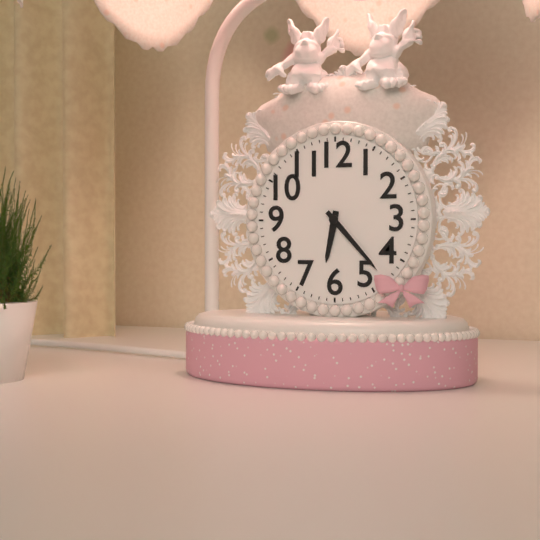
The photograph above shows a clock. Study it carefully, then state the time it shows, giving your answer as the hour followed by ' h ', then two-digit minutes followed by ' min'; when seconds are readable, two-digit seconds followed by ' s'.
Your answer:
6 h 23 min
